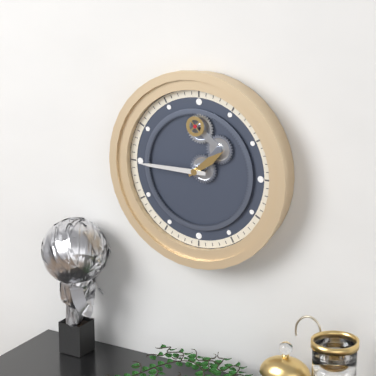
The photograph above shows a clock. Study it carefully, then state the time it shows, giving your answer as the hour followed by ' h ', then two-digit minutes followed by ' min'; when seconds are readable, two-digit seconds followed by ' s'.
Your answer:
1 h 45 min
